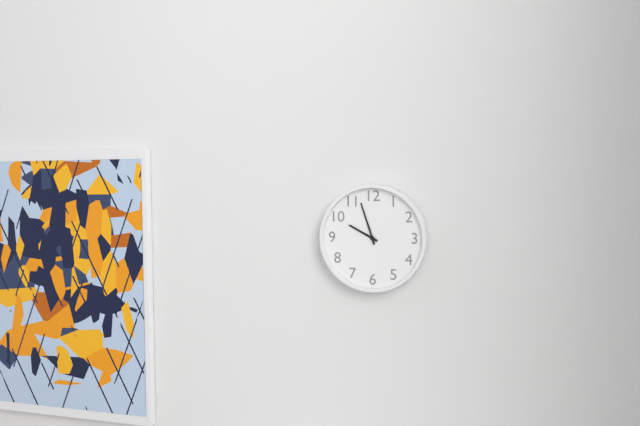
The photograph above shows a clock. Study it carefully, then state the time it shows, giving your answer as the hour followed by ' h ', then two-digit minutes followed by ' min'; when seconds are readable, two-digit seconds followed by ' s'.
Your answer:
9 h 57 min
